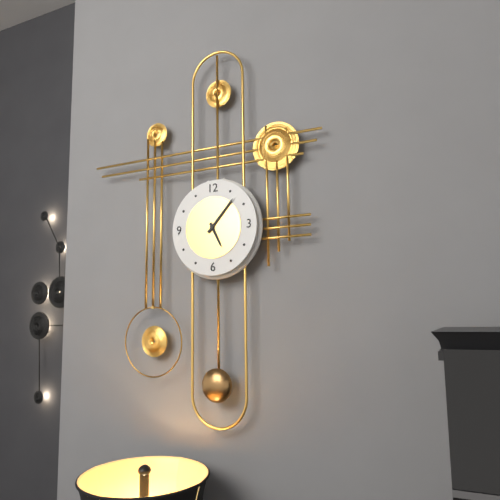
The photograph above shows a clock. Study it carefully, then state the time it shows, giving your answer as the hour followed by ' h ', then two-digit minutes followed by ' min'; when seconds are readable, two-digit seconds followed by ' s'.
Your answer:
5 h 07 min
